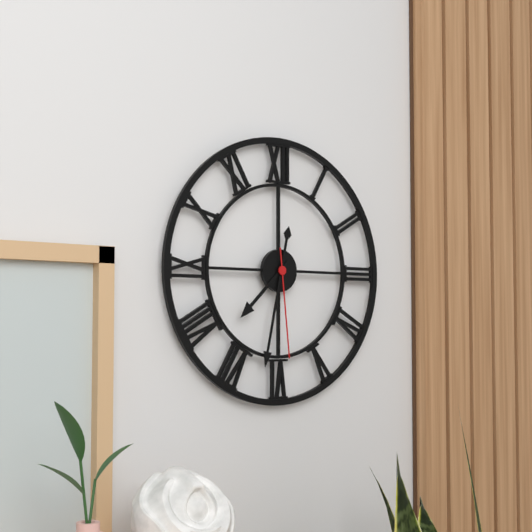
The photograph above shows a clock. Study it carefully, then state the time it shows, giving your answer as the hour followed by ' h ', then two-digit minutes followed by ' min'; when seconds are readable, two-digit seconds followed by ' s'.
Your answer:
7 h 32 min 29 s
